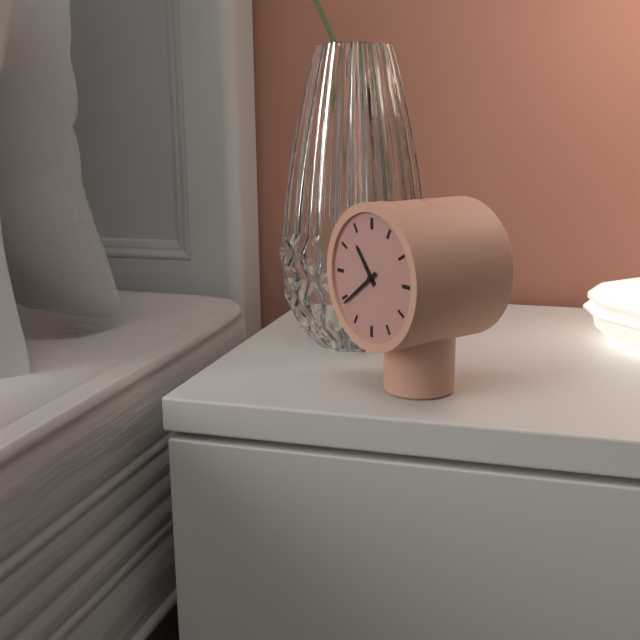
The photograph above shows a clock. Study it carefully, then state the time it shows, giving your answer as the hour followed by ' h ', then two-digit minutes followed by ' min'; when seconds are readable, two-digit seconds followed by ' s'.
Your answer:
10 h 39 min
